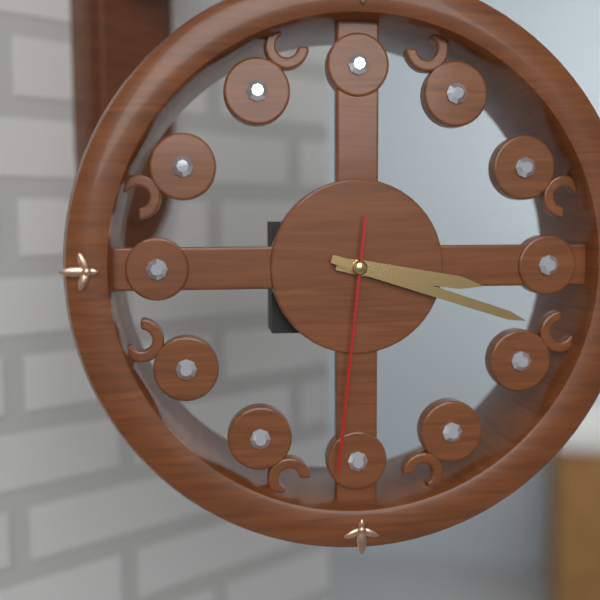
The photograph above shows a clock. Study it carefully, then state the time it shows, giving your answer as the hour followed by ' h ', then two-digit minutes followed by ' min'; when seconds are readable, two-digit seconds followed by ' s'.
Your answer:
3 h 18 min 31 s
